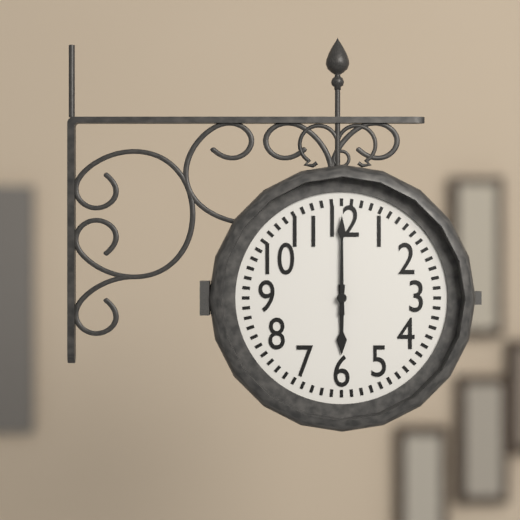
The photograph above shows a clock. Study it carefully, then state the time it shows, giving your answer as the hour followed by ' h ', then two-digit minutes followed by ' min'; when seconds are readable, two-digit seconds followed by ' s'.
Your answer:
6 h 00 min
